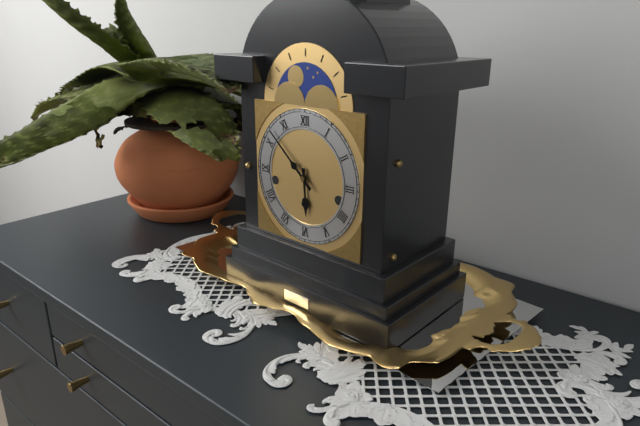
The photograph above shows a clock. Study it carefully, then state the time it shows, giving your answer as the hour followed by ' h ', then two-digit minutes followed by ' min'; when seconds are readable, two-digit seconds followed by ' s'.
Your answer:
5 h 52 min
